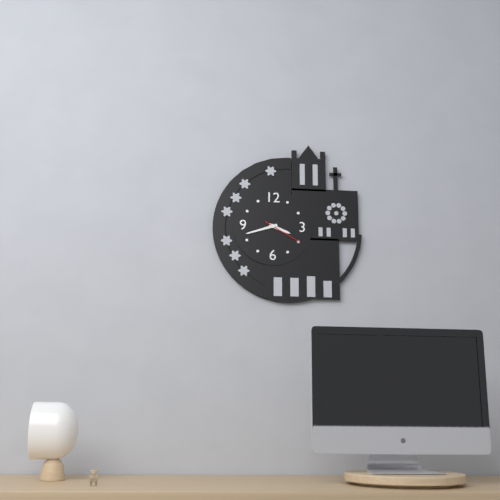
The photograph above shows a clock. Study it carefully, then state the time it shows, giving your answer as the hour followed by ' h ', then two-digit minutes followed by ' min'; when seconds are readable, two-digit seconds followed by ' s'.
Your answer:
3 h 42 min
